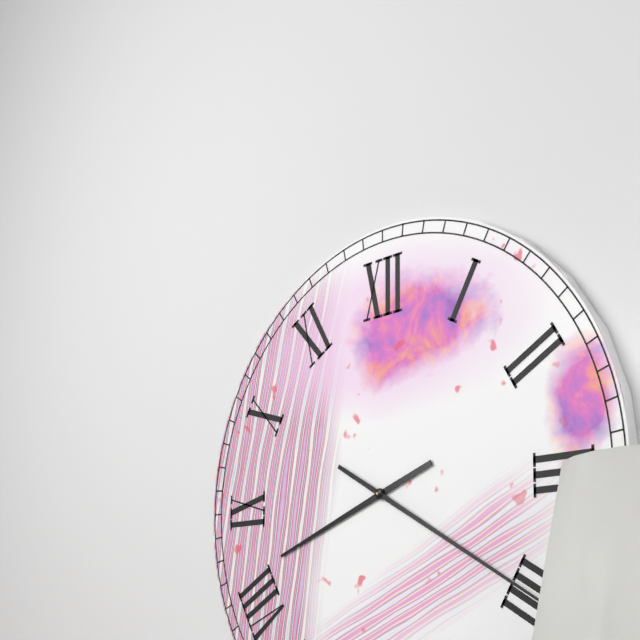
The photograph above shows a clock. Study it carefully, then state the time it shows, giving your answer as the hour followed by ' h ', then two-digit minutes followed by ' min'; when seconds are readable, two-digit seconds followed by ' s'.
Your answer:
8 h 20 min
